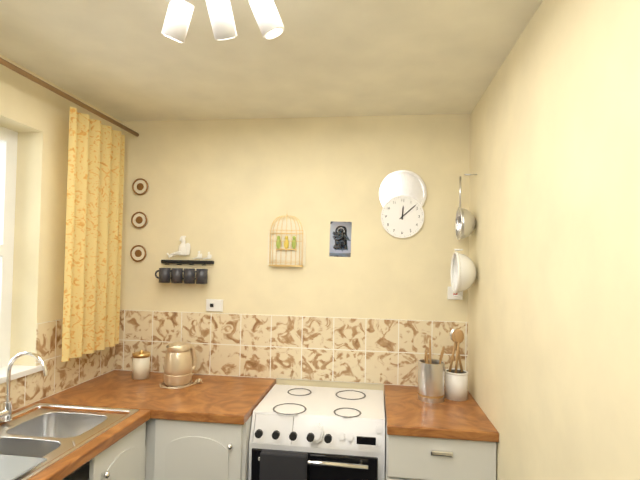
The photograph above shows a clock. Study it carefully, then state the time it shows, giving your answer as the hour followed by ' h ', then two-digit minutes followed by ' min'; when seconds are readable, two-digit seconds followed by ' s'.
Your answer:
12 h 08 min
